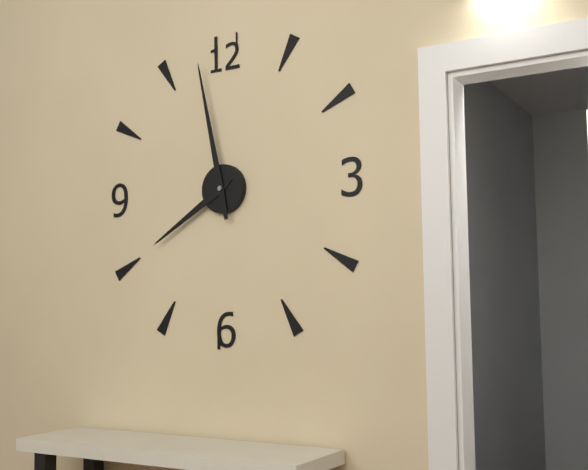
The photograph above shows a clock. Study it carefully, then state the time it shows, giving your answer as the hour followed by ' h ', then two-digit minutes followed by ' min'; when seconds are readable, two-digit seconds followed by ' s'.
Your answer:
7 h 58 min
